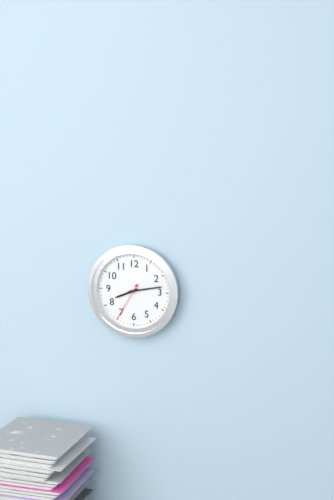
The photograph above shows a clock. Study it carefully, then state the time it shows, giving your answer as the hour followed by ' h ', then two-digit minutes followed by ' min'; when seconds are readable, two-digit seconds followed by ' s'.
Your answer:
8 h 13 min
